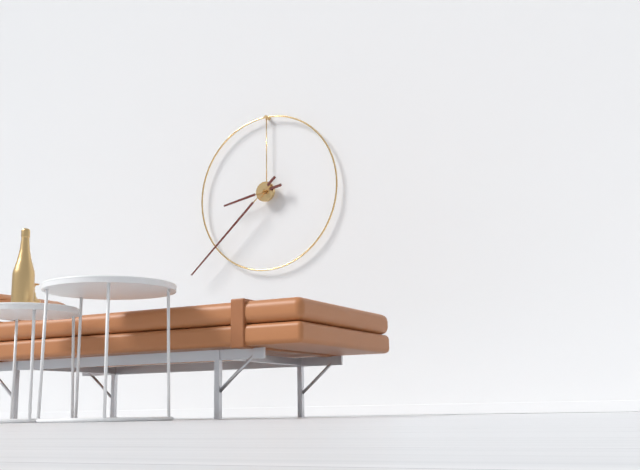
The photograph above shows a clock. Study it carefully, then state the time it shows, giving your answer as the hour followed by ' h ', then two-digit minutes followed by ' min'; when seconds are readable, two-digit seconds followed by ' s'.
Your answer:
8 h 38 min
